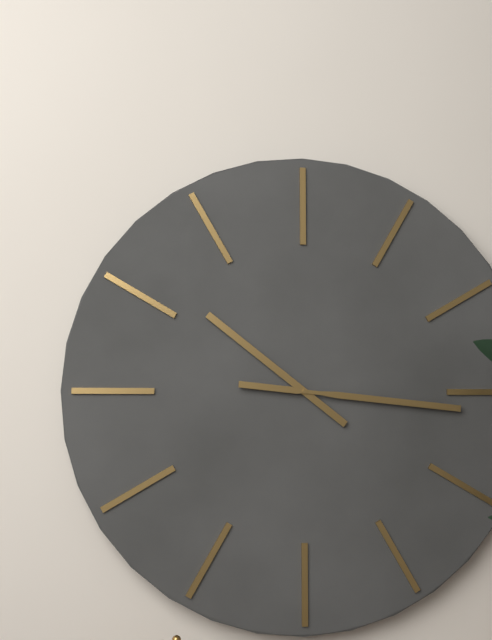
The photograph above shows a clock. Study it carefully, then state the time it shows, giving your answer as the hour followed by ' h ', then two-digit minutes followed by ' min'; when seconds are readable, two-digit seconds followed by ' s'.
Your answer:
10 h 16 min
